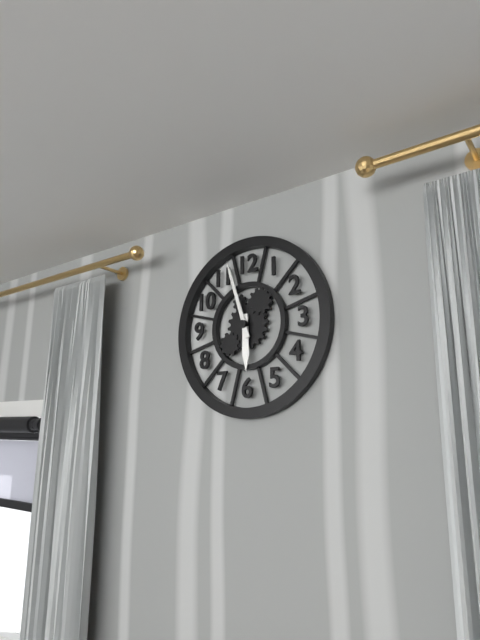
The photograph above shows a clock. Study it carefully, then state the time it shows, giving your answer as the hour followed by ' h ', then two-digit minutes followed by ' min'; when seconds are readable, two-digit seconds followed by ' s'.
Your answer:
5 h 57 min
